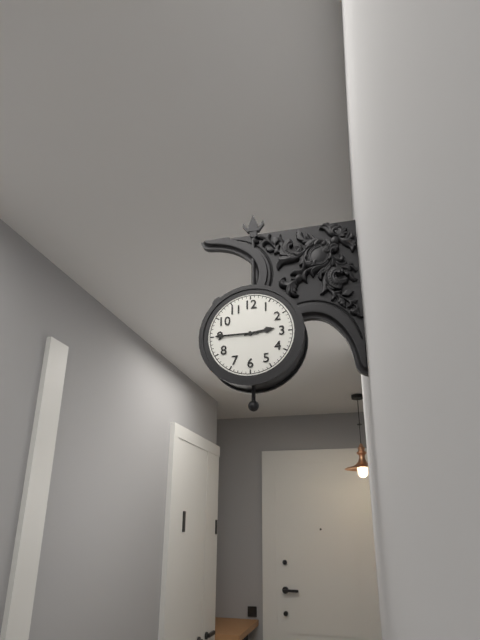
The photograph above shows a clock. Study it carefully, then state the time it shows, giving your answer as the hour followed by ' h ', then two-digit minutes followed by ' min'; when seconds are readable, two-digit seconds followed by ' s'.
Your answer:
2 h 45 min
